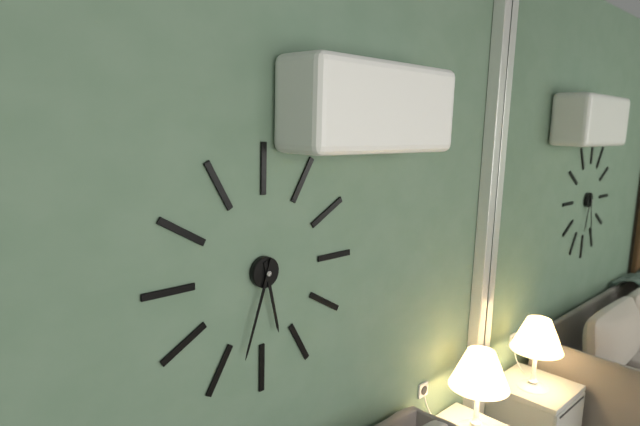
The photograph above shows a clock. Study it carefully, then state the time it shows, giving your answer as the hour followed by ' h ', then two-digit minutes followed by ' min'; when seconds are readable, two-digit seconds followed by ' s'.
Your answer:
5 h 33 min
